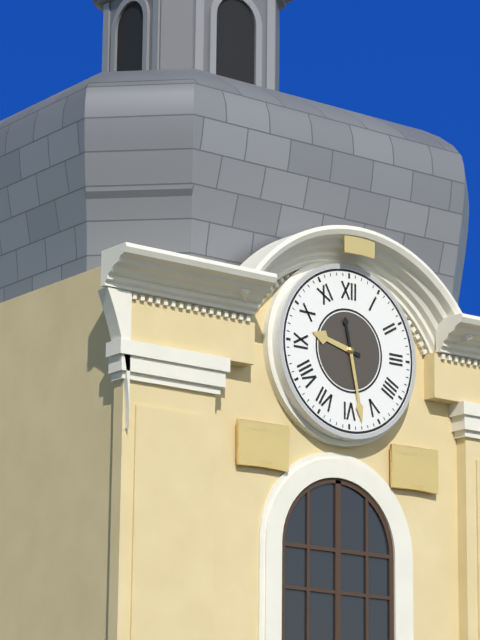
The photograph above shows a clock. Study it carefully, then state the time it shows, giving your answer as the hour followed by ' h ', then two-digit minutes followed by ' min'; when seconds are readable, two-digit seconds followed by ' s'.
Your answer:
9 h 28 min
